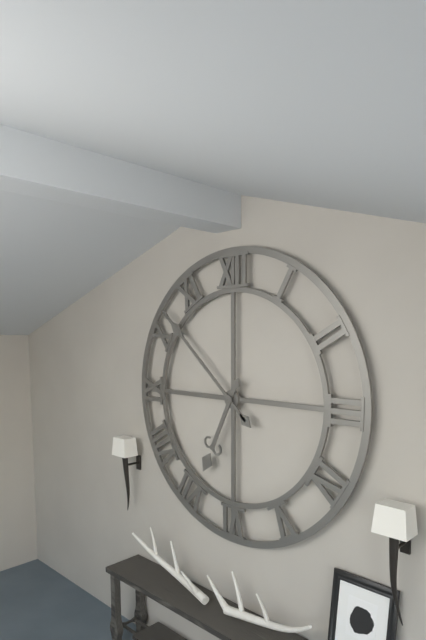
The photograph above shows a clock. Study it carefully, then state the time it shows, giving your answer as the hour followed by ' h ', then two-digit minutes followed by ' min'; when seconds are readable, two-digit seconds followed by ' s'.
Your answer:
6 h 52 min
